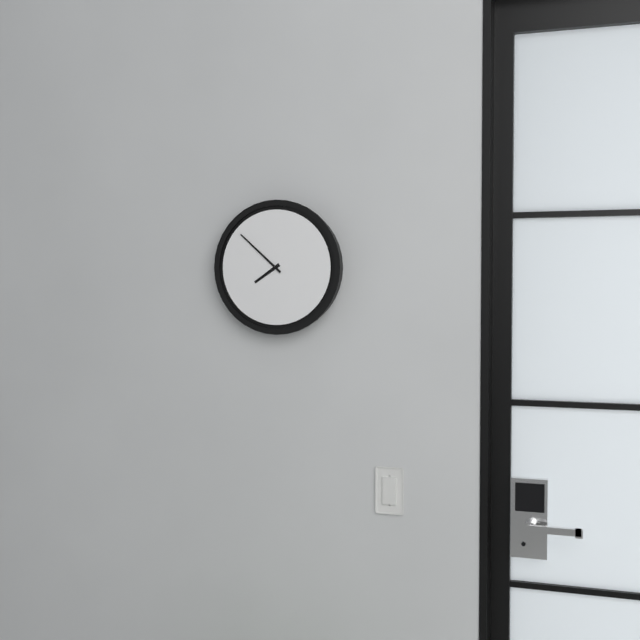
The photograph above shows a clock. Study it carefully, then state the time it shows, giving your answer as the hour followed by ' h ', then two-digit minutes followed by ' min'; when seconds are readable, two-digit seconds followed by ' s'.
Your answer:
7 h 52 min
